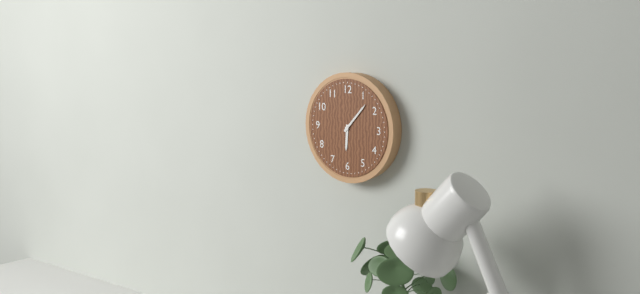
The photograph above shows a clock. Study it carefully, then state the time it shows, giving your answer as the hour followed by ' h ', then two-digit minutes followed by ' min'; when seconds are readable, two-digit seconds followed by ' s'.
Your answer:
6 h 07 min
